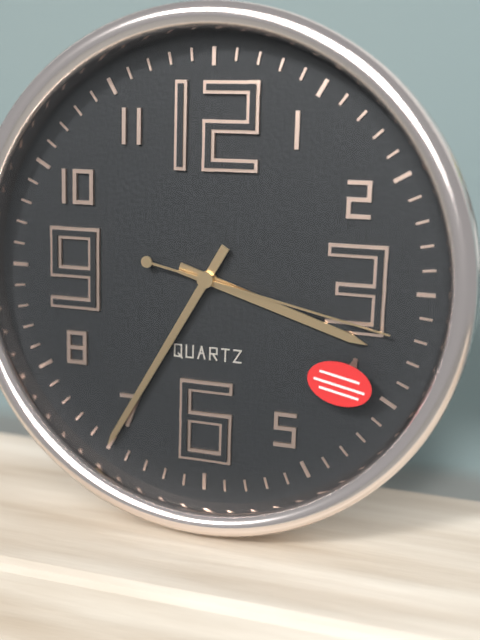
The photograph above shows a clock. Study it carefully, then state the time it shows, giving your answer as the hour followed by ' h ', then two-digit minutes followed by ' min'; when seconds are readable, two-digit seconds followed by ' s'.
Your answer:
3 h 35 min 17 s
